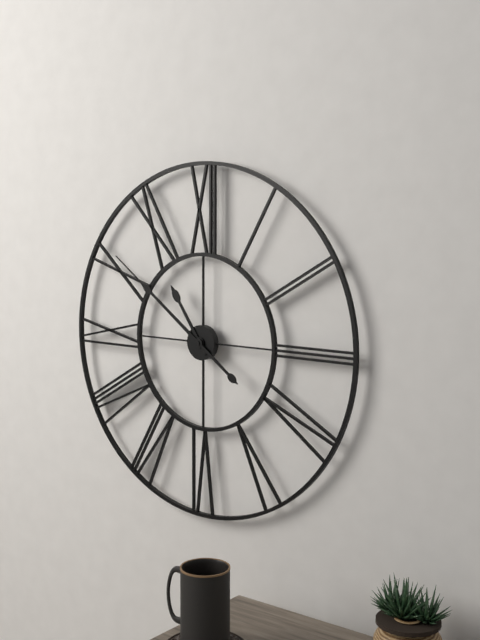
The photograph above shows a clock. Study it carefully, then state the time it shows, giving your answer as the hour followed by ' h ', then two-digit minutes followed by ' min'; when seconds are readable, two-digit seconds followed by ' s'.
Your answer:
10 h 51 min
